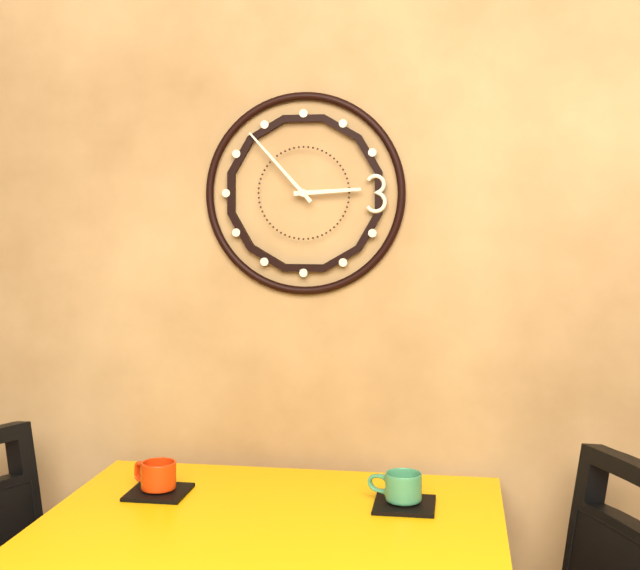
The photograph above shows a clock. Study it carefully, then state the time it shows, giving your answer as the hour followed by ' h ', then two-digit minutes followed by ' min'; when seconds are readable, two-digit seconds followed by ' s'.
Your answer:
2 h 53 min
